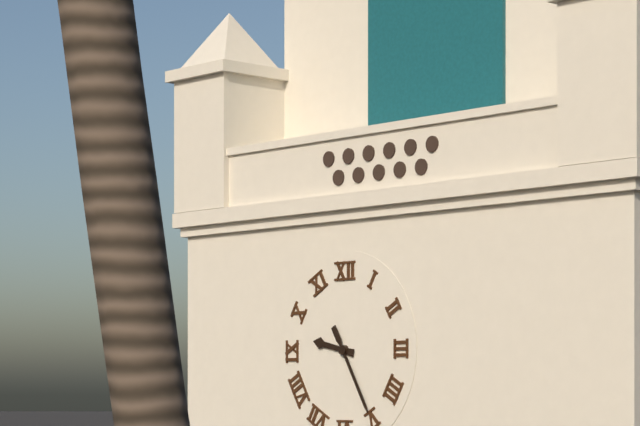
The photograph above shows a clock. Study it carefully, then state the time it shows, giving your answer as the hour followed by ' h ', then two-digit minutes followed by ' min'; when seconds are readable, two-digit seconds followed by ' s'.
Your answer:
9 h 25 min
